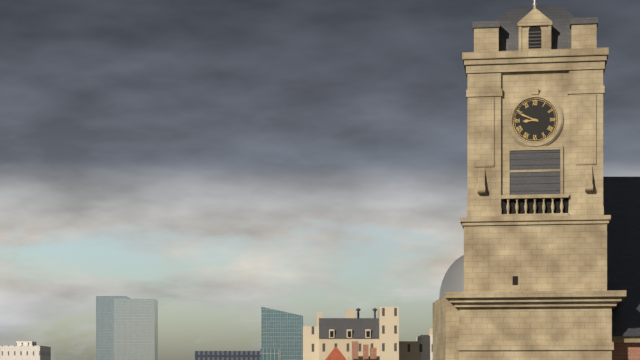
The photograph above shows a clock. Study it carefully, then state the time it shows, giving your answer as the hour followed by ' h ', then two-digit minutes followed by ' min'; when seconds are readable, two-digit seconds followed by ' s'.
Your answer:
8 h 49 min
